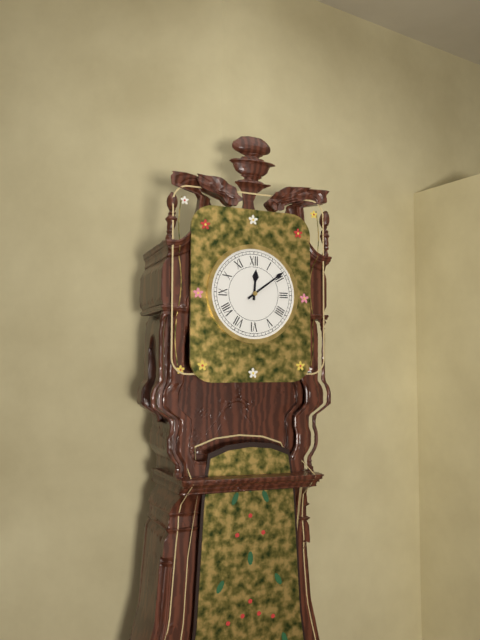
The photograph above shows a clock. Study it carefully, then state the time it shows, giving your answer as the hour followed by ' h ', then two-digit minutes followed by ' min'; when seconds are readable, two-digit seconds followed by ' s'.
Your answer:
12 h 09 min
